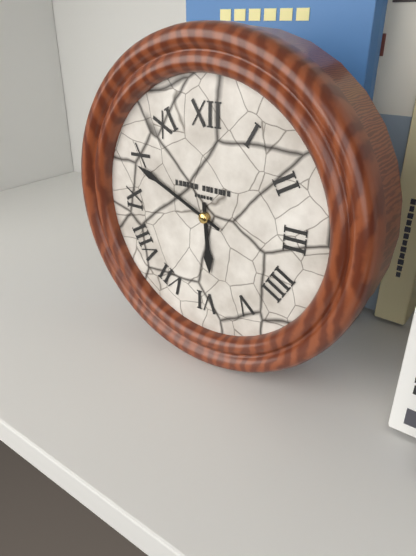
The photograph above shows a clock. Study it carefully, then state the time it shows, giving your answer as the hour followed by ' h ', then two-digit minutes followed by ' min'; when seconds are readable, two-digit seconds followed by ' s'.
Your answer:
5 h 49 min
